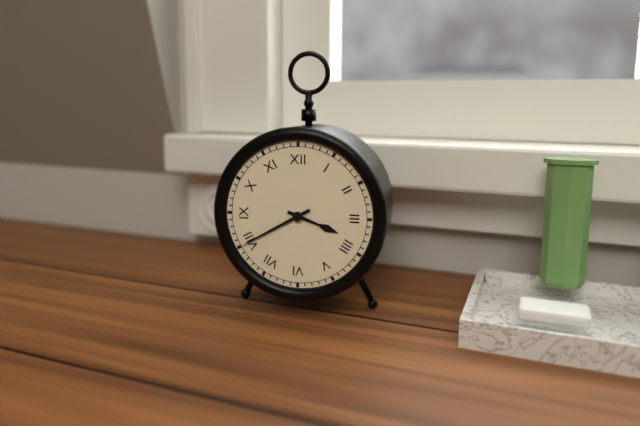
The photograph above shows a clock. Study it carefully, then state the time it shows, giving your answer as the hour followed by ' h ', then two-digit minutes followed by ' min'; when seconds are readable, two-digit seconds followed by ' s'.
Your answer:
3 h 40 min
